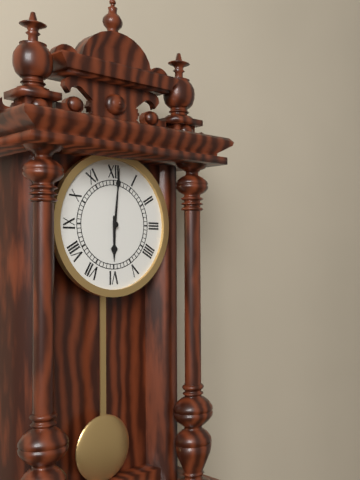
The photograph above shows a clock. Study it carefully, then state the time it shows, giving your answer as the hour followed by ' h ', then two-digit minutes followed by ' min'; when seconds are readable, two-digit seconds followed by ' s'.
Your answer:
6 h 01 min
